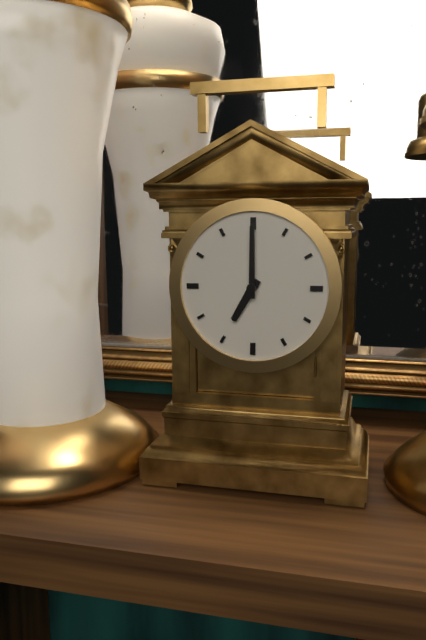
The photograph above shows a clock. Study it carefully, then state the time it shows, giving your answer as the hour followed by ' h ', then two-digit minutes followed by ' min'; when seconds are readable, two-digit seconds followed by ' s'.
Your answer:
7 h 00 min
